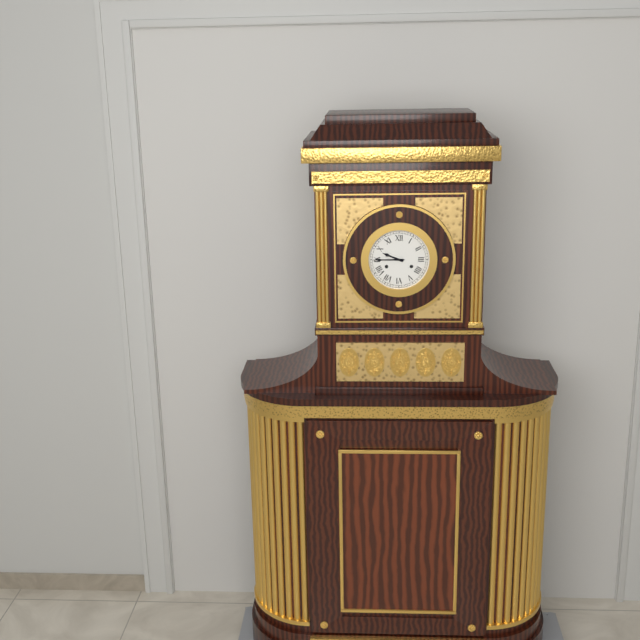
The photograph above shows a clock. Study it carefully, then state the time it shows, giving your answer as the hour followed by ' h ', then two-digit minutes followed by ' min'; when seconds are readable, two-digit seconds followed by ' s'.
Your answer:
9 h 45 min
